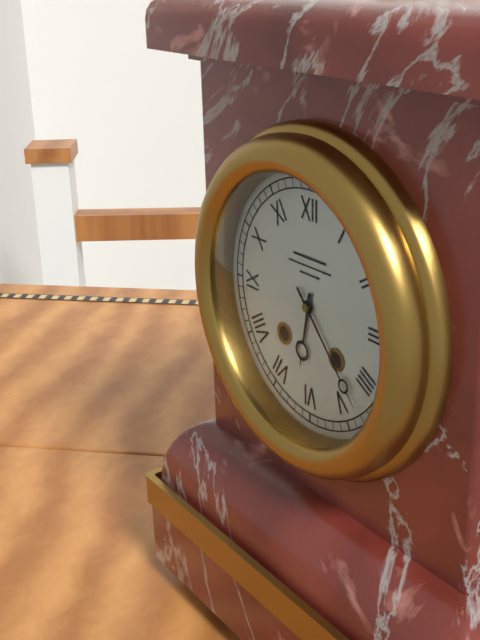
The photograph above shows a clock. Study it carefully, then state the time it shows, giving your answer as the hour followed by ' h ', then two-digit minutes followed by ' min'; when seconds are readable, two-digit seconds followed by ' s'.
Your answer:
6 h 23 min
